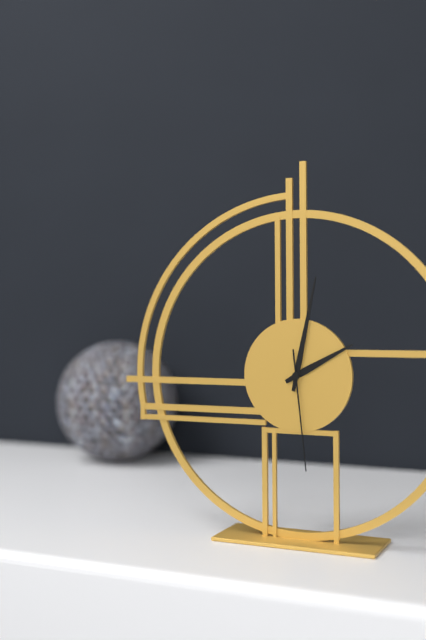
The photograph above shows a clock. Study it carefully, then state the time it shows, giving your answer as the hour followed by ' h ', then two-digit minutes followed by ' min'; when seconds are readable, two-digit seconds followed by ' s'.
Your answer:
2 h 02 min 29 s
